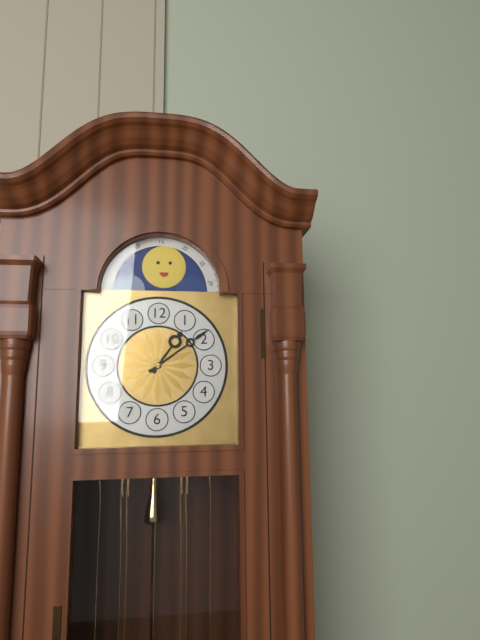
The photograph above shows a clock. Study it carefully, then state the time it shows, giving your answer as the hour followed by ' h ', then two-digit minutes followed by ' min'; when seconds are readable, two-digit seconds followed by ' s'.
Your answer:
1 h 09 min
